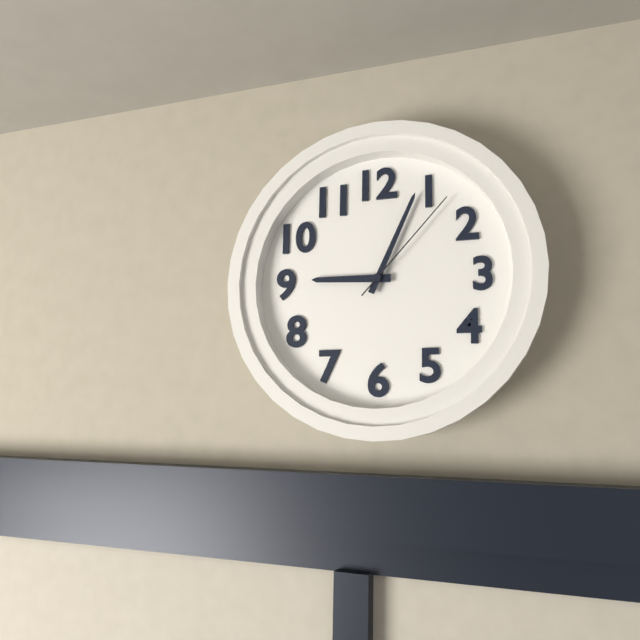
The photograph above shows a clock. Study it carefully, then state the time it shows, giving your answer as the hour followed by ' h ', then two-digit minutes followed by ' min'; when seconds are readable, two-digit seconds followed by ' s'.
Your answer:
9 h 04 min 07 s
